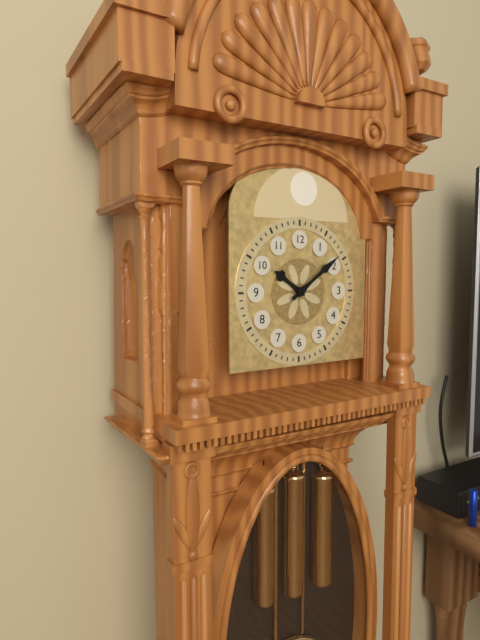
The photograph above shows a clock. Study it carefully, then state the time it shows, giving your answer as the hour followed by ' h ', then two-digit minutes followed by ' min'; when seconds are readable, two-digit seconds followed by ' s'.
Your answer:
10 h 09 min
